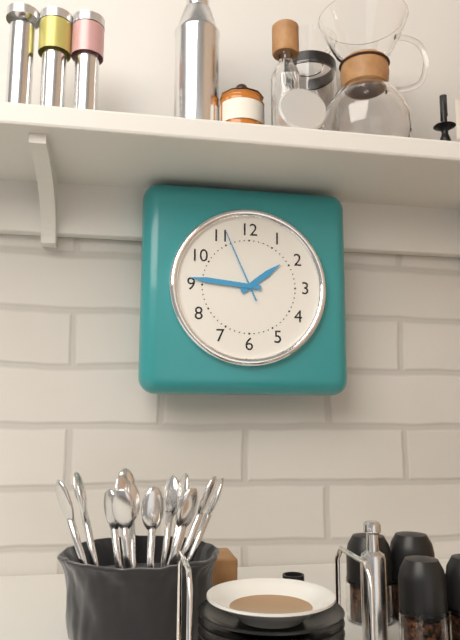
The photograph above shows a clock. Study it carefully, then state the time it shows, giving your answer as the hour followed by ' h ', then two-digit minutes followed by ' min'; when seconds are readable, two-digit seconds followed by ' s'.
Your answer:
1 h 46 min 56 s
